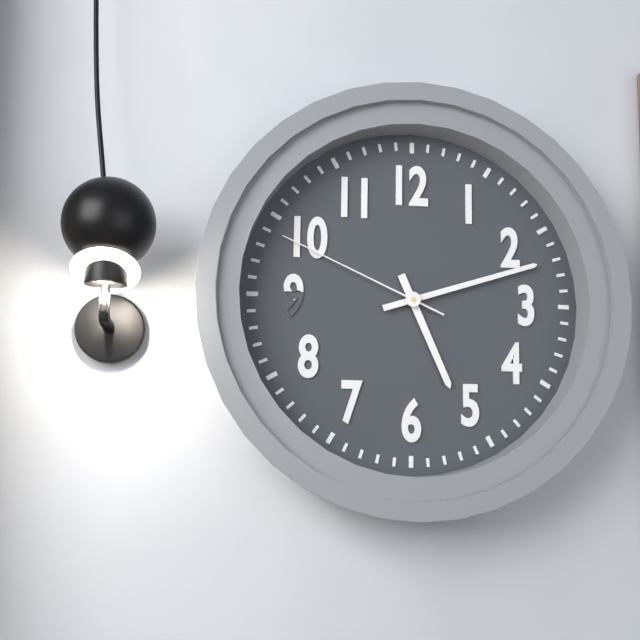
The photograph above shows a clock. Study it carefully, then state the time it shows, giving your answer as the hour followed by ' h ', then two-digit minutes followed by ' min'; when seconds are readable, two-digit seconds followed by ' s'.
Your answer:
5 h 12 min 49 s
